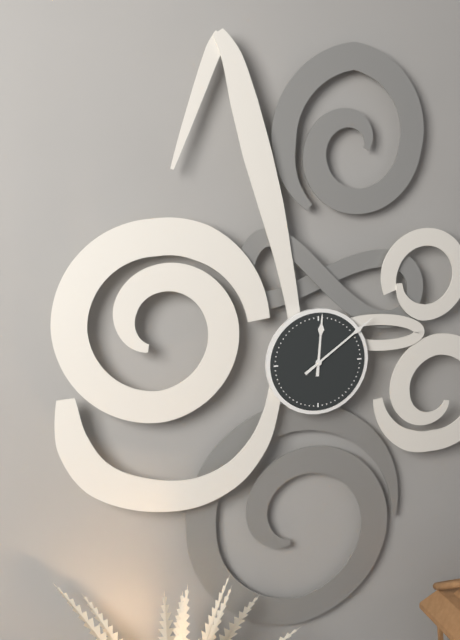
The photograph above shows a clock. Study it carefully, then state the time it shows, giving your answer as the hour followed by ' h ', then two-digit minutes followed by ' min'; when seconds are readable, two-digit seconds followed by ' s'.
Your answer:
12 h 09 min
